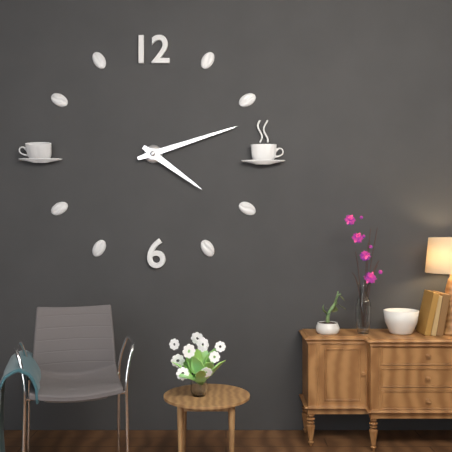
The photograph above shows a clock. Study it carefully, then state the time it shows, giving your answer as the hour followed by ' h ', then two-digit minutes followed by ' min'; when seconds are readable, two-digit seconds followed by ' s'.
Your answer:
4 h 12 min
